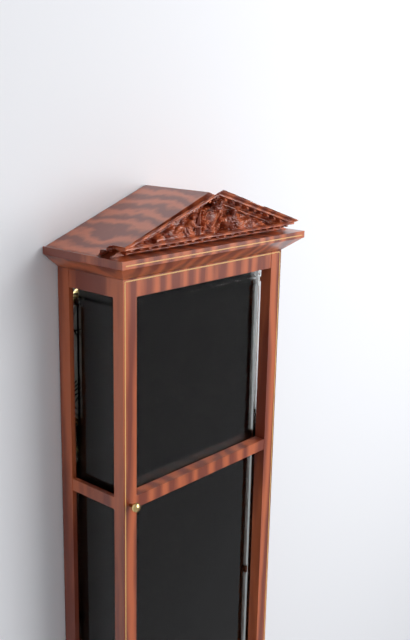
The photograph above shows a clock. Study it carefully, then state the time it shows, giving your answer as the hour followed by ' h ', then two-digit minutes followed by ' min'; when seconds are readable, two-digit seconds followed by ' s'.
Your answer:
4 h 28 min 17 s
